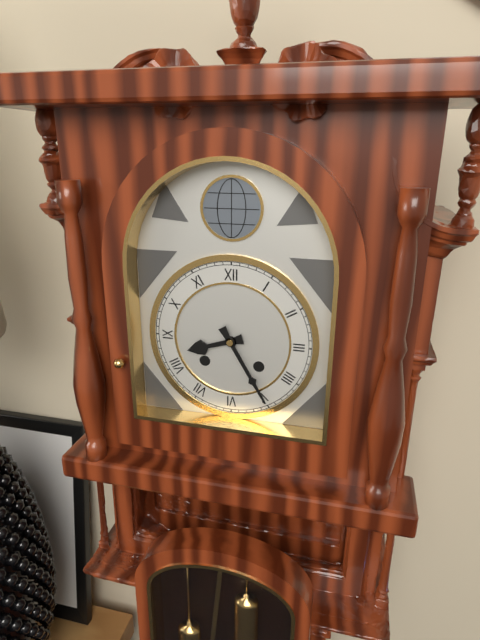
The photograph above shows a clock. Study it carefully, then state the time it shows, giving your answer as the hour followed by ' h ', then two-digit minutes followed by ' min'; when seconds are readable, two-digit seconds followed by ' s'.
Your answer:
8 h 25 min
